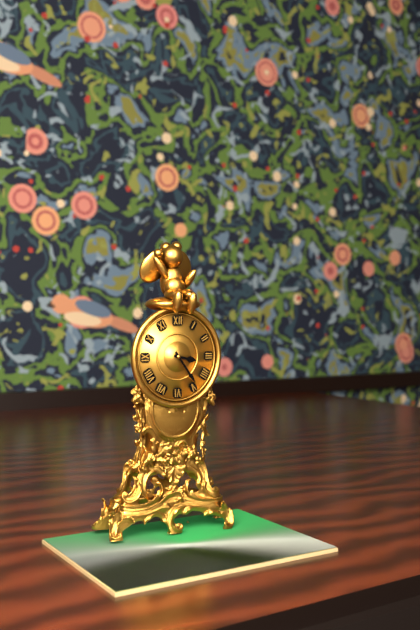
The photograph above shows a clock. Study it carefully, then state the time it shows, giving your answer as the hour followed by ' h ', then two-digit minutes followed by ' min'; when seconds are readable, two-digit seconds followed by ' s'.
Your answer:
3 h 24 min
